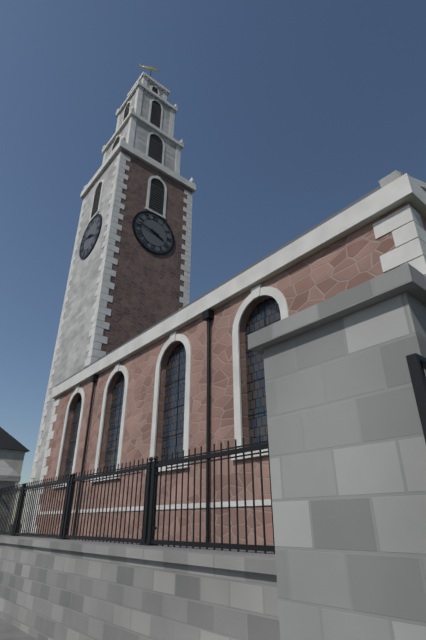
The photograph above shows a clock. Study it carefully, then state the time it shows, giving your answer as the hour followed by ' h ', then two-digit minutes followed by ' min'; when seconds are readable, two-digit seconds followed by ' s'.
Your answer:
3 h 47 min
